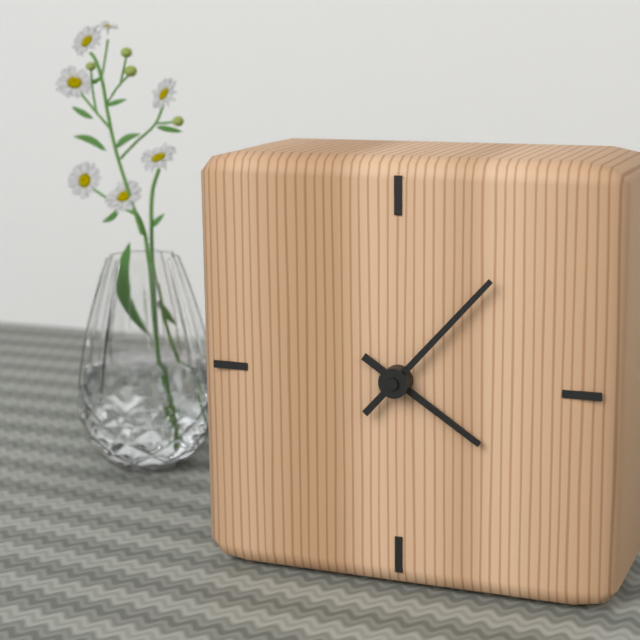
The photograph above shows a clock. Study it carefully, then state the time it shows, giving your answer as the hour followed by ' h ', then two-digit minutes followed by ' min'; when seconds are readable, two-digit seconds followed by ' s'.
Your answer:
4 h 07 min
